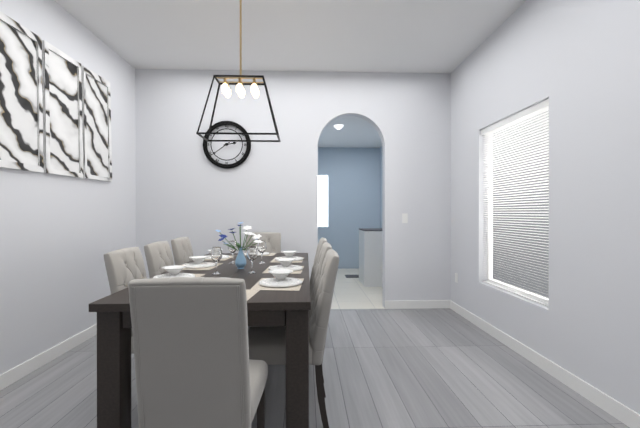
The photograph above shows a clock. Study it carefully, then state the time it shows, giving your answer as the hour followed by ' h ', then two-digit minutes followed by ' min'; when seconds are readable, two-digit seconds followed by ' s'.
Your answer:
2 h 39 min
